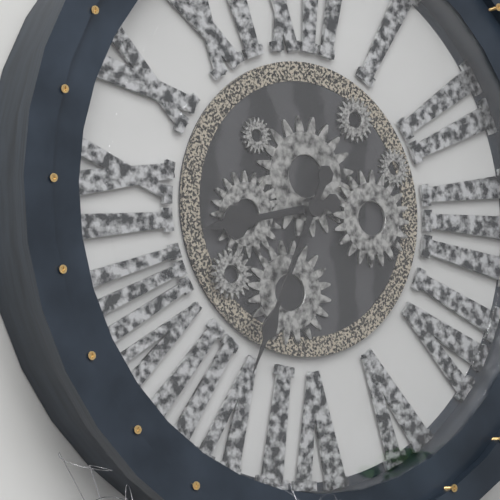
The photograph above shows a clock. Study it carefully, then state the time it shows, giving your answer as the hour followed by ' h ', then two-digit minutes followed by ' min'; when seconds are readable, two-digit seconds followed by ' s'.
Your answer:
8 h 34 min
